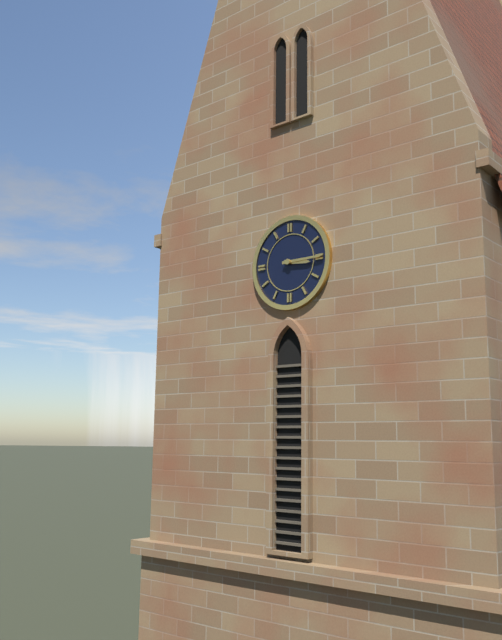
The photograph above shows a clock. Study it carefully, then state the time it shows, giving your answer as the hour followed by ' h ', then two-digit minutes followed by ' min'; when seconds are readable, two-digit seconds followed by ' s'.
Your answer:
3 h 15 min
